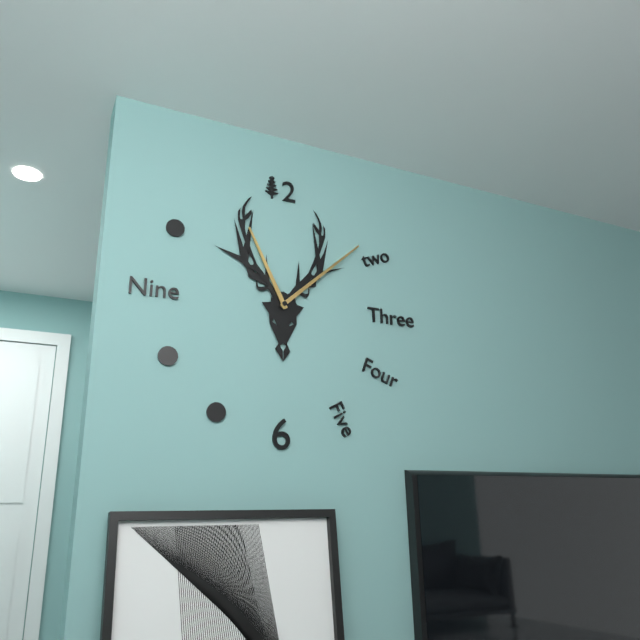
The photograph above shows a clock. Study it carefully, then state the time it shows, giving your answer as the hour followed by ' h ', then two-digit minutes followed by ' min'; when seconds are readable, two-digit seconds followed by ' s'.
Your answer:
11 h 08 min
